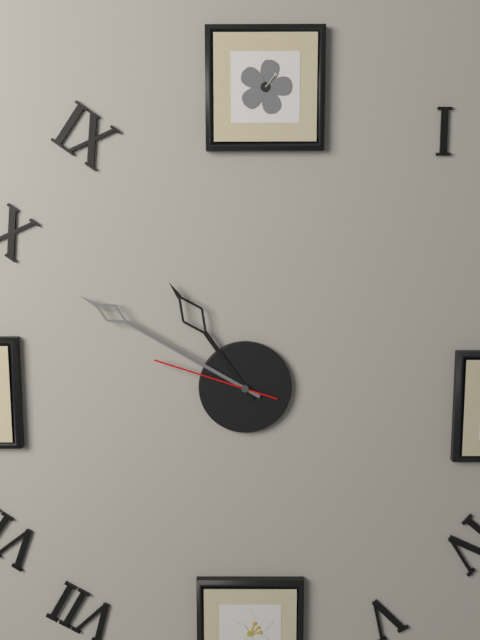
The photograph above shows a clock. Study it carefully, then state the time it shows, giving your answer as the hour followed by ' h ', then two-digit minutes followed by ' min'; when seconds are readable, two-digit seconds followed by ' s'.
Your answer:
10 h 50 min 48 s
